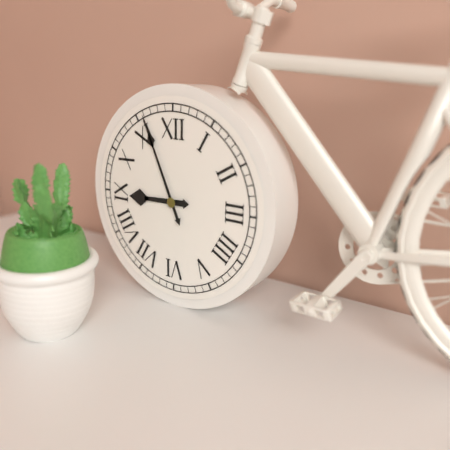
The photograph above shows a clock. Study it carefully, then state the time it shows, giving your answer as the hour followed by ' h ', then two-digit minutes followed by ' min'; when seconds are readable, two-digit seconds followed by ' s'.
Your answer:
8 h 56 min
